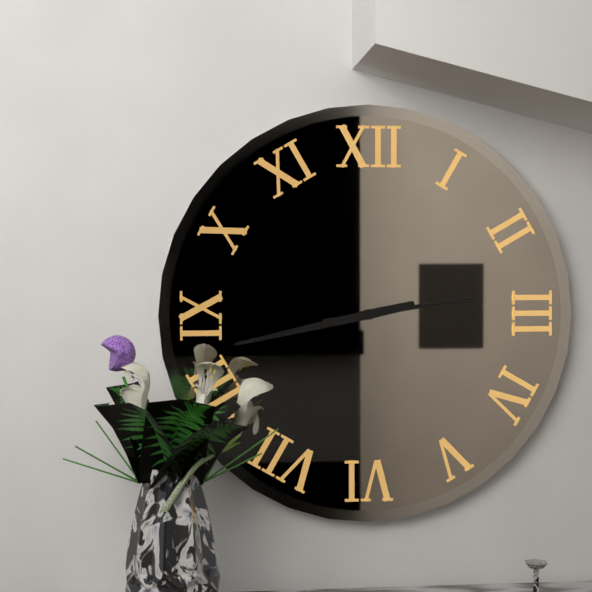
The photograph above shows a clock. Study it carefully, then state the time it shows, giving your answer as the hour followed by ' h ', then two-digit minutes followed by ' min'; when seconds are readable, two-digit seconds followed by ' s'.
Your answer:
2 h 43 min
